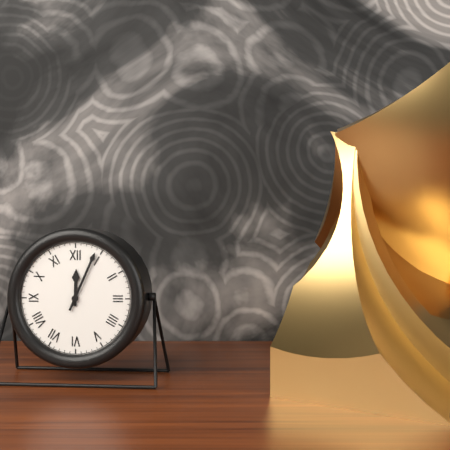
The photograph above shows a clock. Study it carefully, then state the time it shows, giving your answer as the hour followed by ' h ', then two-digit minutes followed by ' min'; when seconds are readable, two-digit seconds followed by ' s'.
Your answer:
12 h 04 min
